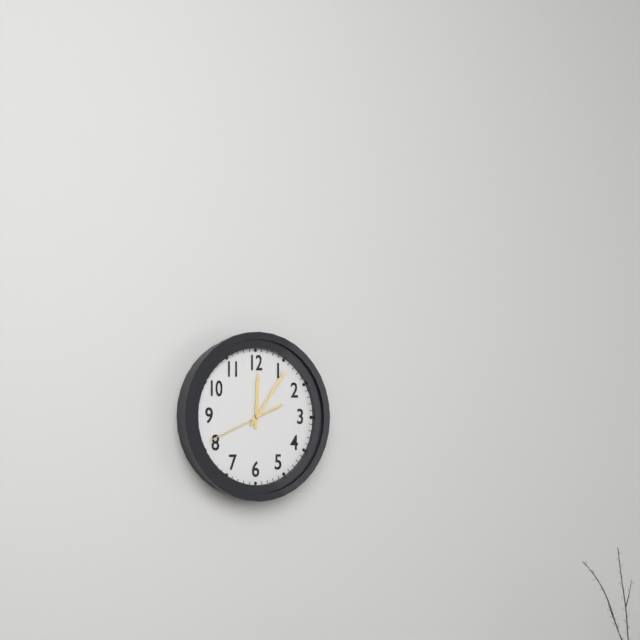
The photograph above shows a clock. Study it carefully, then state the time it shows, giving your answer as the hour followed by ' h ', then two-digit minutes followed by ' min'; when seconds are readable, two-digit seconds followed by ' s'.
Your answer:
12 h 06 min 41 s
